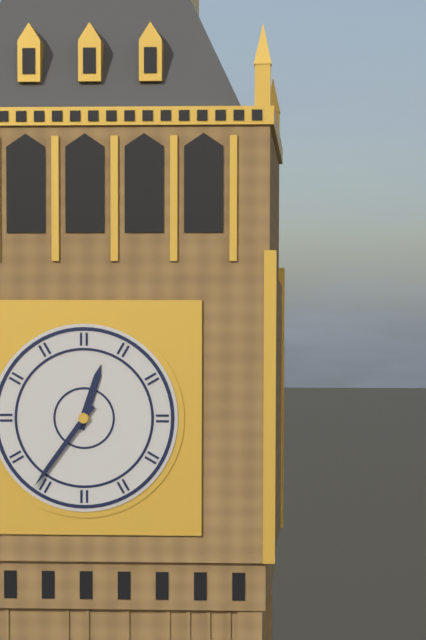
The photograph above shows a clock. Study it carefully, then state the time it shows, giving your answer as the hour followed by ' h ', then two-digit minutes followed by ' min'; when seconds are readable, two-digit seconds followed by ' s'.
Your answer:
12 h 36 min
